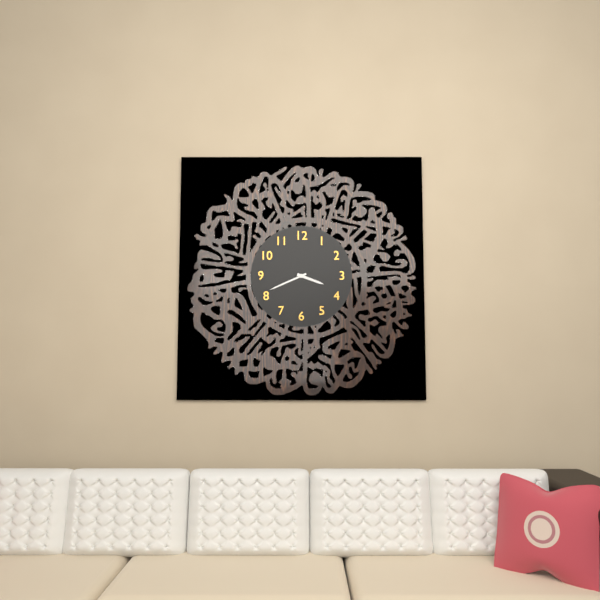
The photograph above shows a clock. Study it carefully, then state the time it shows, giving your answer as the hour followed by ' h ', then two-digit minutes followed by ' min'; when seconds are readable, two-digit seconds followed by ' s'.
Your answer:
3 h 41 min
